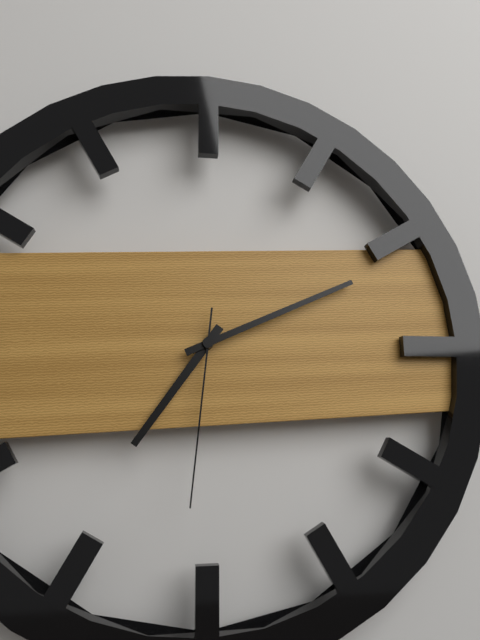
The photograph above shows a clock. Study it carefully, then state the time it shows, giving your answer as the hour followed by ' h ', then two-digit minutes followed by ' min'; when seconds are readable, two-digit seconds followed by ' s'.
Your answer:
7 h 11 min 31 s
